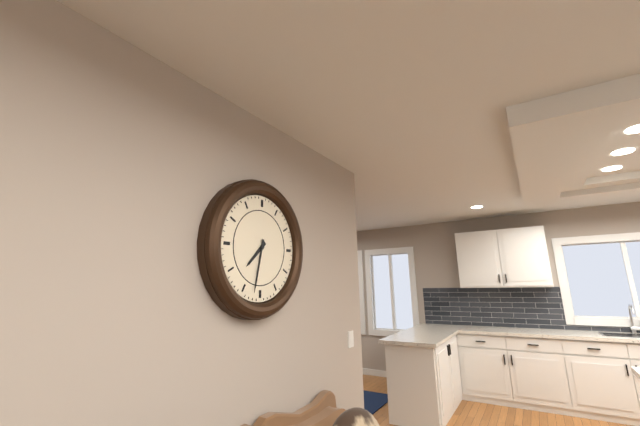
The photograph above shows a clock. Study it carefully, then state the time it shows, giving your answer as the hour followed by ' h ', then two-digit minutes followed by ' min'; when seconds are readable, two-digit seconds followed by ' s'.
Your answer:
7 h 32 min
